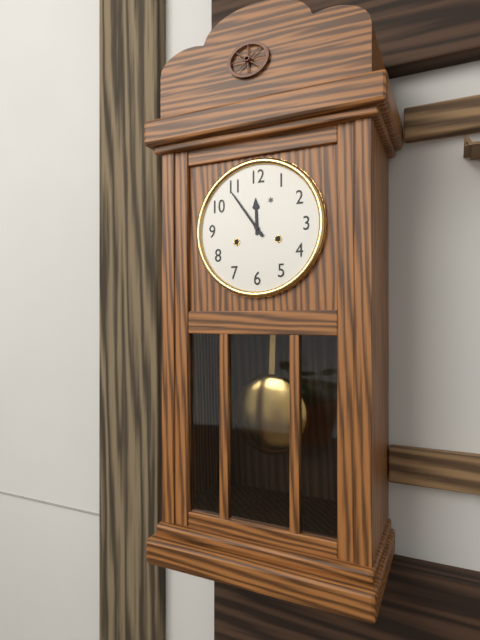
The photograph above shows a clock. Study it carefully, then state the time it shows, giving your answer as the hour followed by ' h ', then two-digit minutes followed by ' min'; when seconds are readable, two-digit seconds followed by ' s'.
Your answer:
11 h 54 min
